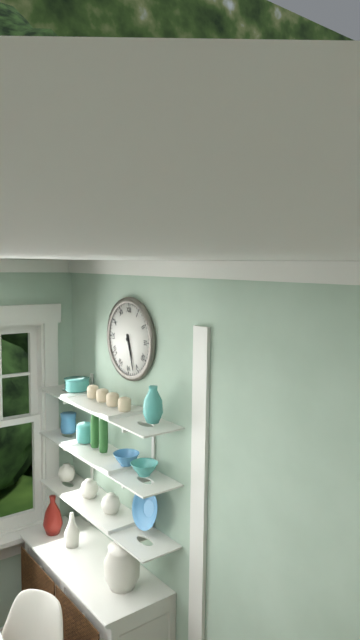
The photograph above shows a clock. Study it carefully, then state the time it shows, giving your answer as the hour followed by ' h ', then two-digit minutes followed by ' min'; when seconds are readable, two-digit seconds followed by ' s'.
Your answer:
5 h 27 min
